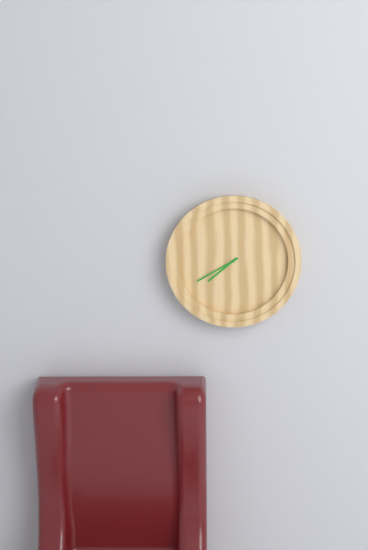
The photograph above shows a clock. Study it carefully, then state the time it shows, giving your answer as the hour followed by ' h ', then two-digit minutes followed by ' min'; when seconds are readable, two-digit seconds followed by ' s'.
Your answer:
7 h 40 min
